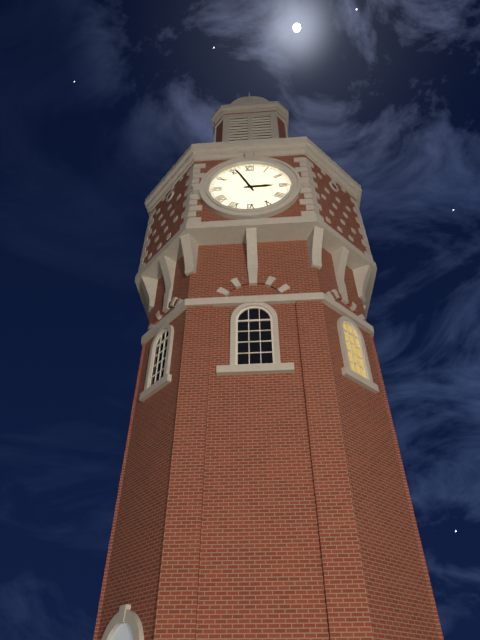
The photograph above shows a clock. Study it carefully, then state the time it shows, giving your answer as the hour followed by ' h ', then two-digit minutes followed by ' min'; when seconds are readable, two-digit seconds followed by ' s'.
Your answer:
2 h 56 min
